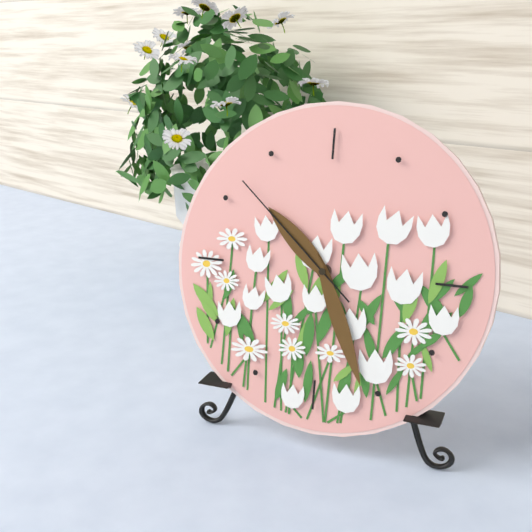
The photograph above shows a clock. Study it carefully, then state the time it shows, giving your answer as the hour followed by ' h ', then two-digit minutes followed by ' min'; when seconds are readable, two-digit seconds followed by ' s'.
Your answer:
10 h 26 min 52 s
